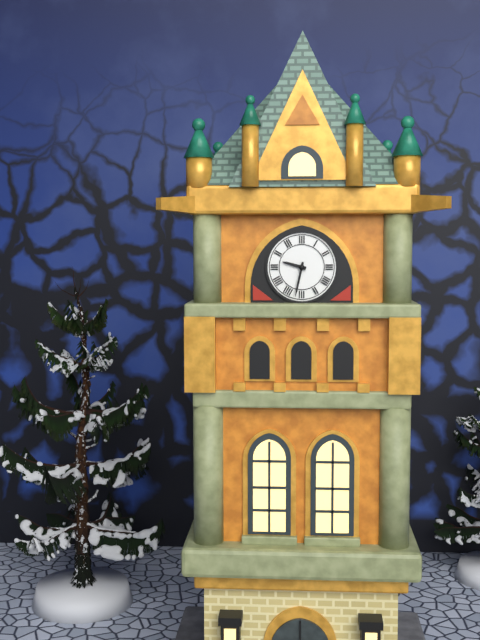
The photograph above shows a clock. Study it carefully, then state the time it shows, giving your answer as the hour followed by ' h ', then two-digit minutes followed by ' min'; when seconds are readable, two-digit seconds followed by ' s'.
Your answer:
9 h 32 min
